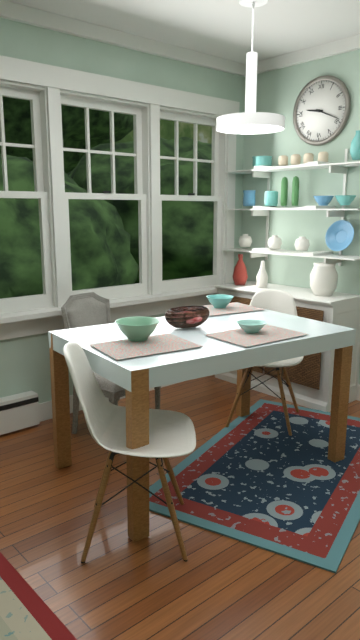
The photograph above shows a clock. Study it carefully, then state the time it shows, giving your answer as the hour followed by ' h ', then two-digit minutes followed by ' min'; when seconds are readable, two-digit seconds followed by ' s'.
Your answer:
9 h 19 min
